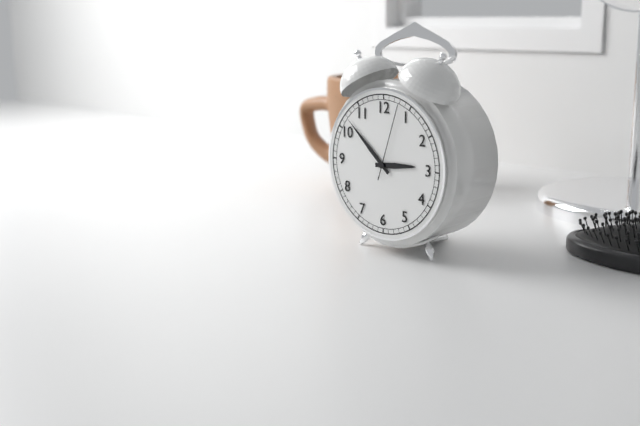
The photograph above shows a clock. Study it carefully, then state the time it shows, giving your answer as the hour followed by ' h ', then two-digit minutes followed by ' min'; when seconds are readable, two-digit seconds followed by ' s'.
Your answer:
2 h 52 min 03 s
